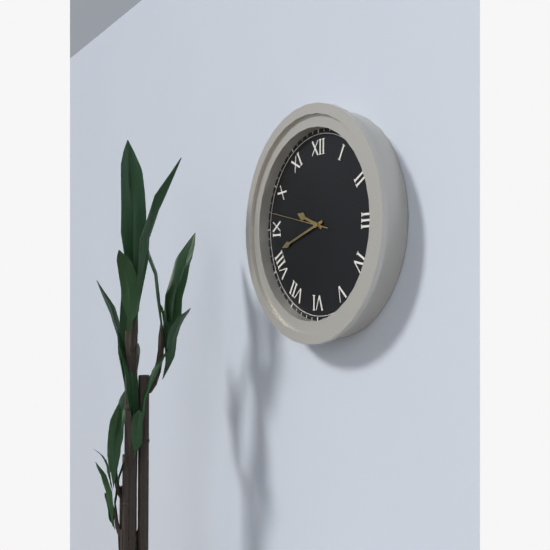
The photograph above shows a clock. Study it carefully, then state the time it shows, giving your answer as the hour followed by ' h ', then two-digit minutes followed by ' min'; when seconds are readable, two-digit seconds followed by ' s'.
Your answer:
9 h 42 min 47 s
